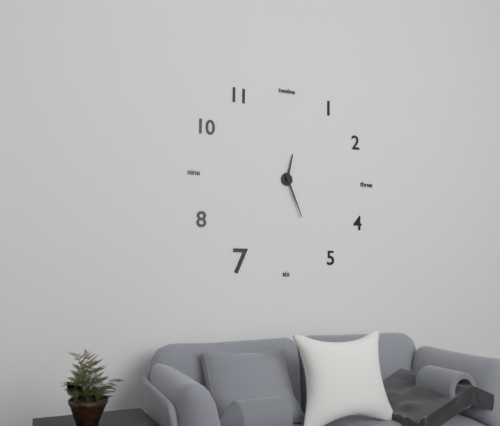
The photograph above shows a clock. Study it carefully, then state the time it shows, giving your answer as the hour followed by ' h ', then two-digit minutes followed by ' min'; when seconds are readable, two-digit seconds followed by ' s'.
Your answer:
12 h 26 min
